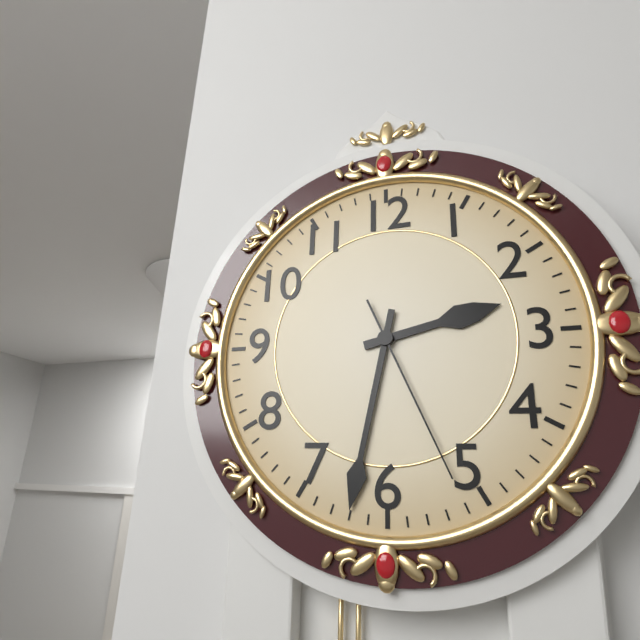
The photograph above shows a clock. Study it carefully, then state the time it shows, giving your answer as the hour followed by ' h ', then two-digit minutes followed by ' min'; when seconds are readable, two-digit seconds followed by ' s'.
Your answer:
2 h 32 min 26 s
